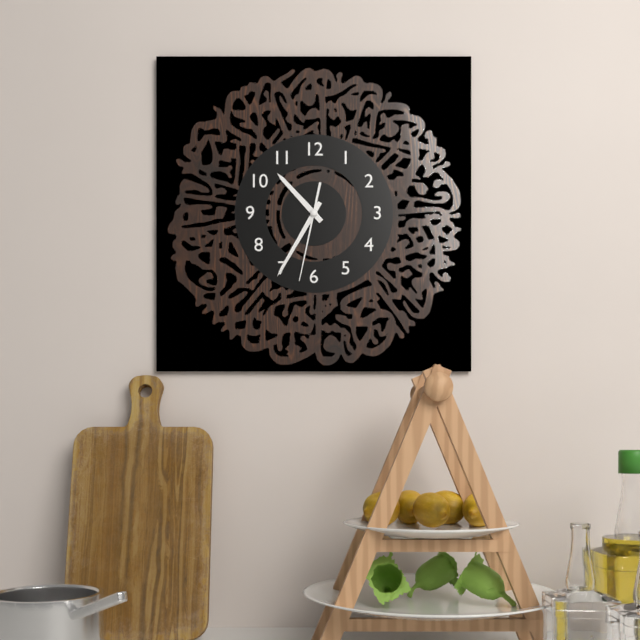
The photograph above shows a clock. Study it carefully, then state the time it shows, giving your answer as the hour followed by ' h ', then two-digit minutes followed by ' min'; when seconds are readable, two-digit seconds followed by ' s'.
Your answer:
10 h 35 min 32 s
